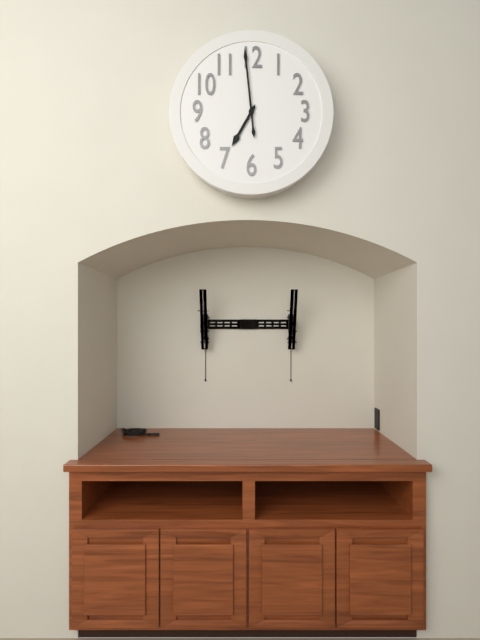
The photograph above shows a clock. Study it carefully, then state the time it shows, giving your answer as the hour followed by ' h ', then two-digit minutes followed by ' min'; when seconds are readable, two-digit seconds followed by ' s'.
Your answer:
6 h 59 min
